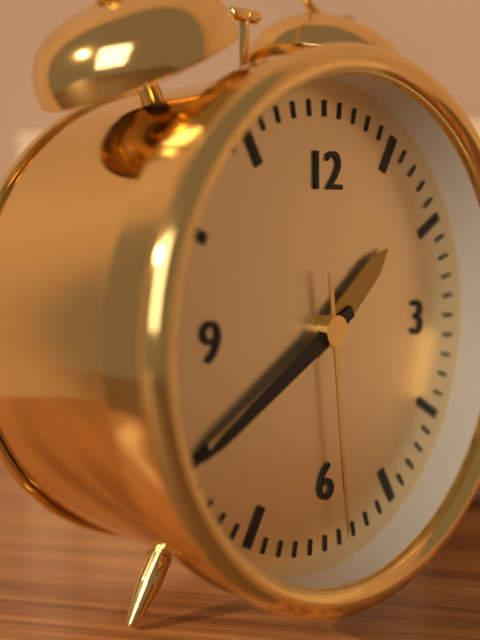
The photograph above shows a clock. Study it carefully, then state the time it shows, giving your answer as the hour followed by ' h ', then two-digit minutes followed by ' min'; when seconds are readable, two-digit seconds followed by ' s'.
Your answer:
1 h 40 min 29 s
